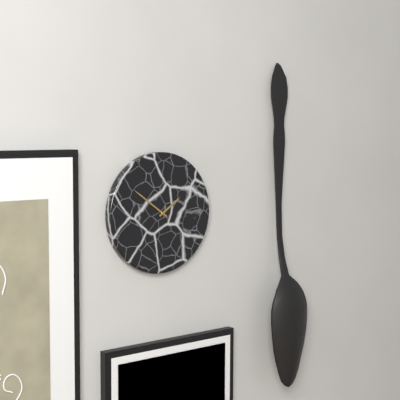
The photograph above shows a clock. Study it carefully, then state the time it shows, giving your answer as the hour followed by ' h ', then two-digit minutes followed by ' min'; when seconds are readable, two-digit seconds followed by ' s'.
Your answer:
1 h 51 min
